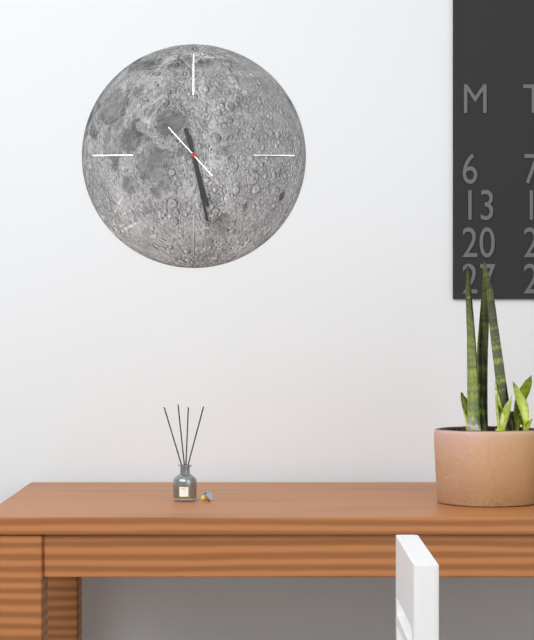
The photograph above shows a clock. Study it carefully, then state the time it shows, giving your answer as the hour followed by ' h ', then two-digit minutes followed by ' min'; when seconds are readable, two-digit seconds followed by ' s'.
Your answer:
5 h 28 min
